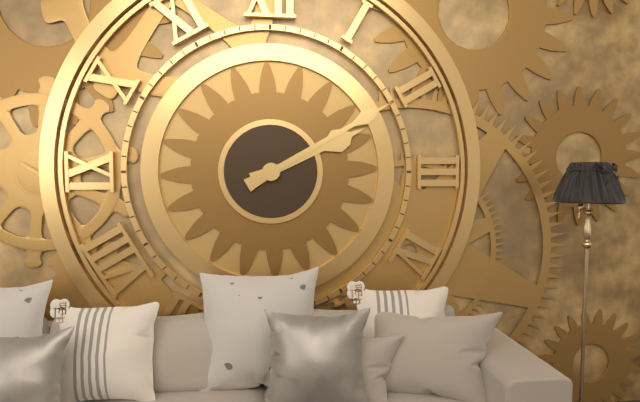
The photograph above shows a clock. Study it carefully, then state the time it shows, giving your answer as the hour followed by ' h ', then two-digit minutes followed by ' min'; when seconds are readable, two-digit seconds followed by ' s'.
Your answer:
2 h 10 min
